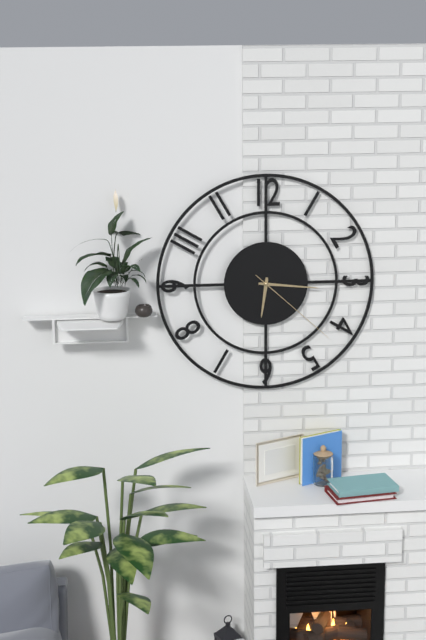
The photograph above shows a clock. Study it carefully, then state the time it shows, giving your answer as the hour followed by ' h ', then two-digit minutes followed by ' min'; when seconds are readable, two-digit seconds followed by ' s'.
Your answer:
6 h 16 min 22 s
